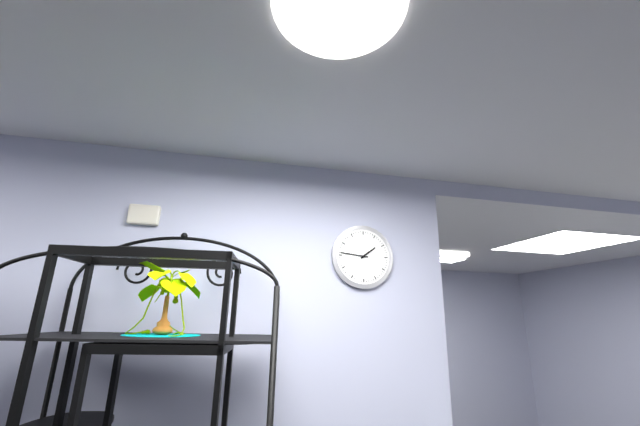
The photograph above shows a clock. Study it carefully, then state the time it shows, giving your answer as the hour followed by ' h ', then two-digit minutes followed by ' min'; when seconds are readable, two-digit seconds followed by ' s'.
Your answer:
1 h 46 min
